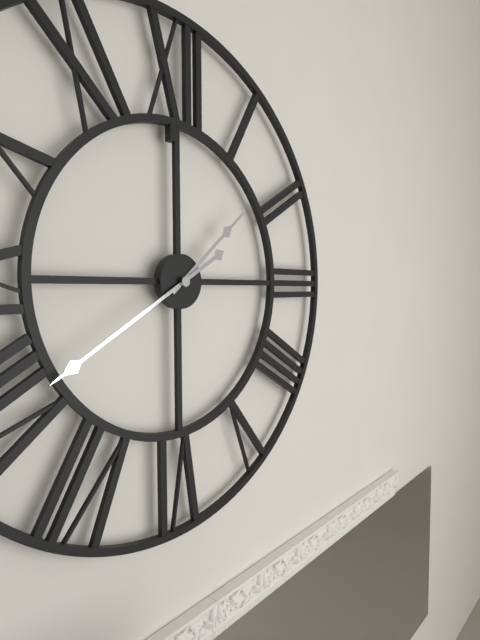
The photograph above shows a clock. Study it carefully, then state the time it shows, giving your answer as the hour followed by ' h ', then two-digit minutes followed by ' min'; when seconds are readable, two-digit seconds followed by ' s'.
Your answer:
1 h 40 min
